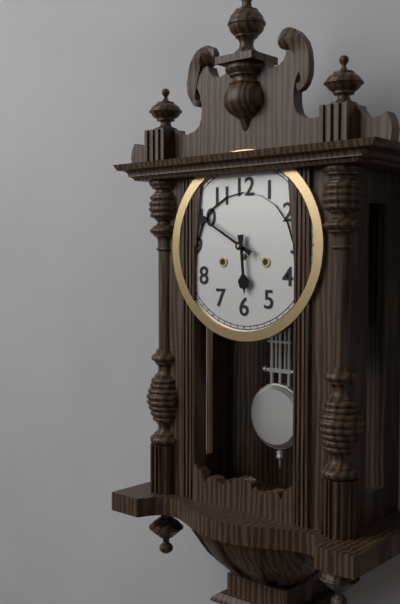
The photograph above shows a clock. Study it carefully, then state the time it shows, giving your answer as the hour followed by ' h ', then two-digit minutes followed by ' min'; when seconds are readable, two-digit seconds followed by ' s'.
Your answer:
5 h 50 min
